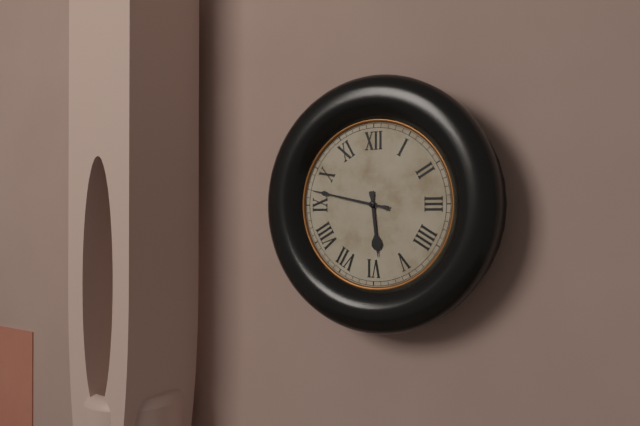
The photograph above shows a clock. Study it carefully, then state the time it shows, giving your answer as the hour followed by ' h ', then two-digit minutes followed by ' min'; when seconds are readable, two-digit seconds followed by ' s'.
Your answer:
5 h 47 min
